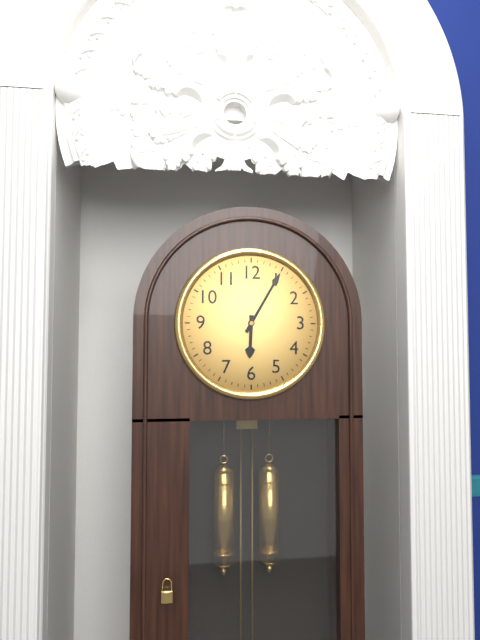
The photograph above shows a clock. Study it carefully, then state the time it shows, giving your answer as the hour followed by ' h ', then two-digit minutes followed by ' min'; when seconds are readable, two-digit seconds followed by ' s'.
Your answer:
6 h 05 min
